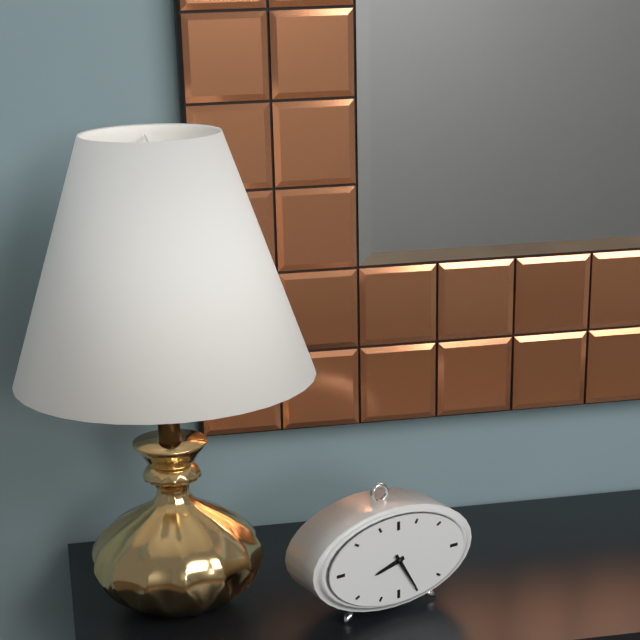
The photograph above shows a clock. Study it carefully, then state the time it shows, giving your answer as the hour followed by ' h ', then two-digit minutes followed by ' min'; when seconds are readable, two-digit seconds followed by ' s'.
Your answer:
8 h 25 min
